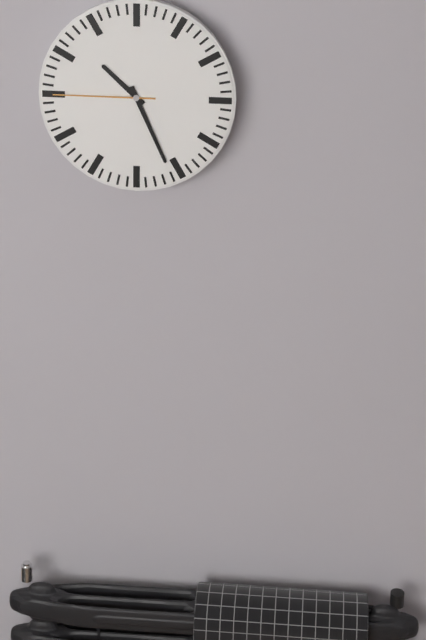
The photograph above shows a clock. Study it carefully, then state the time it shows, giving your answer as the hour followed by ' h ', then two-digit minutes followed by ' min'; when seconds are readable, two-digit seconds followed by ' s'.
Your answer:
10 h 26 min 45 s
